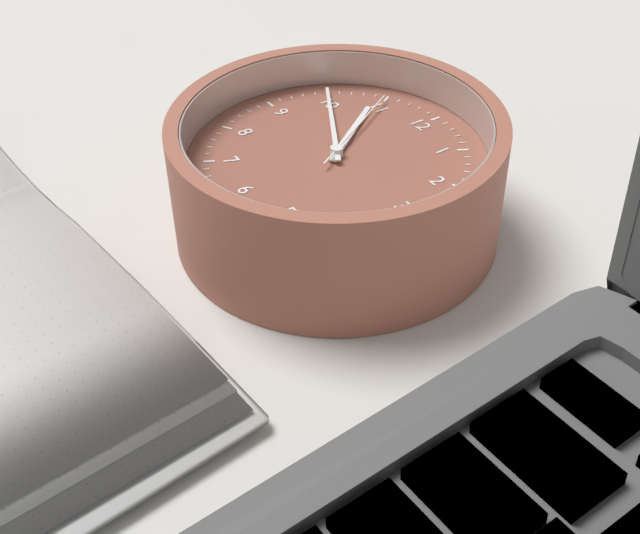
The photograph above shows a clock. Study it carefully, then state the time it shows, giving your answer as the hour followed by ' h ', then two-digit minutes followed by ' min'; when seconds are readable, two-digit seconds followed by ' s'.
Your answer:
10 h 50 min 55 s
